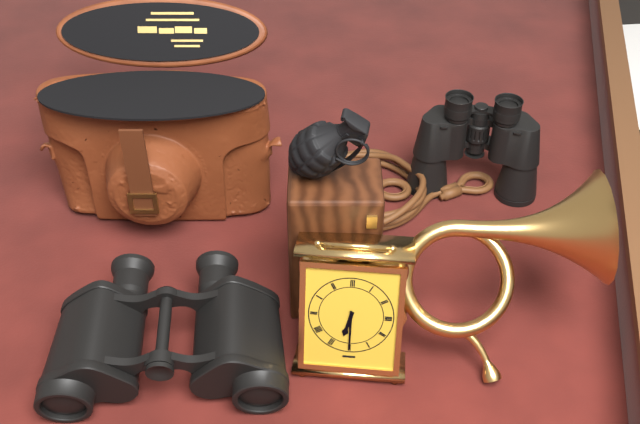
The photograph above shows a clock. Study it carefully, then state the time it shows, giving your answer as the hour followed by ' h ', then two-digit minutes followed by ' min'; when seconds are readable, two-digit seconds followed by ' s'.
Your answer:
6 h 30 min
